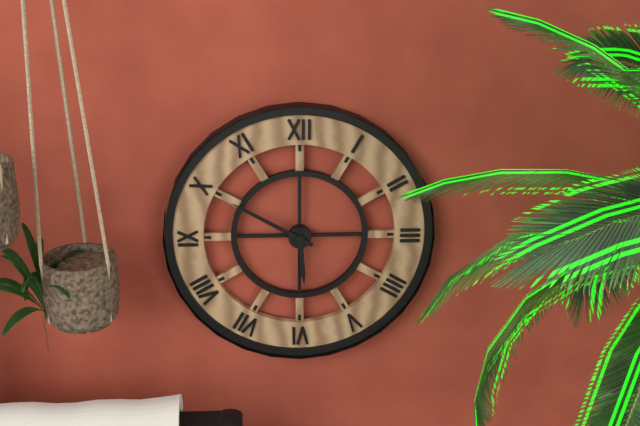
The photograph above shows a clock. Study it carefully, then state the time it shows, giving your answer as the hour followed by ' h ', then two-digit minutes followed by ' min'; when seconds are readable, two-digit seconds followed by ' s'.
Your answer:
5 h 50 min
